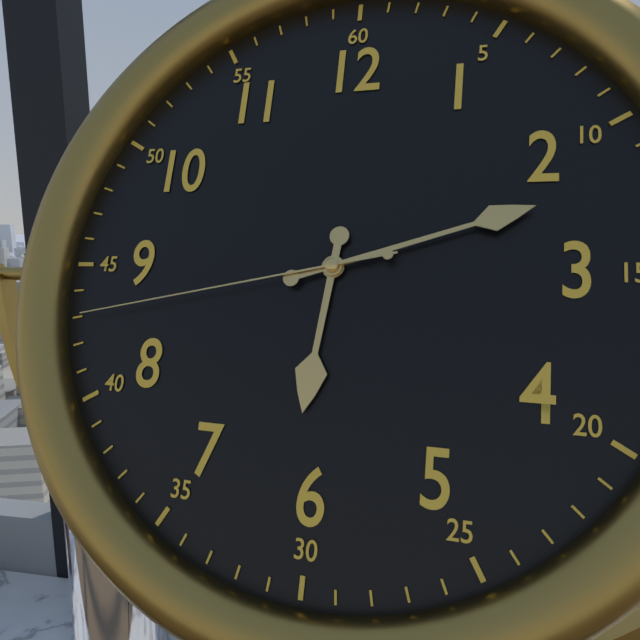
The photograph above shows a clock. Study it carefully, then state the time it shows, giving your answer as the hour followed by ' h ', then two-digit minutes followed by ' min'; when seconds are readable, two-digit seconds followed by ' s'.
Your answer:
6 h 12 min 43 s
